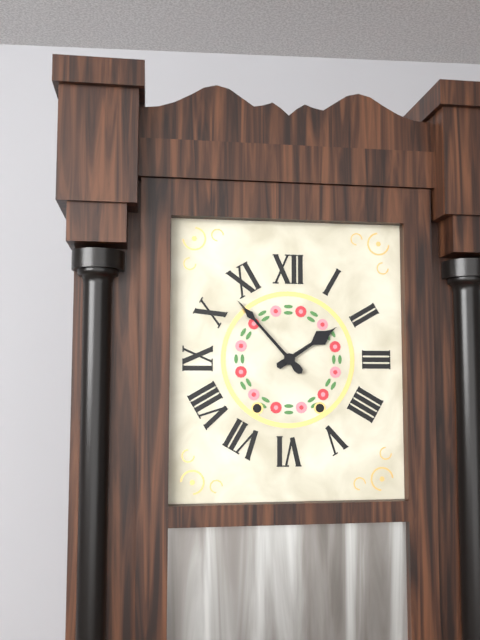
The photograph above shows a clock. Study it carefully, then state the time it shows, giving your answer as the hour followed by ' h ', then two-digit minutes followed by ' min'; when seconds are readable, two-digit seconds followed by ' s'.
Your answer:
1 h 53 min
